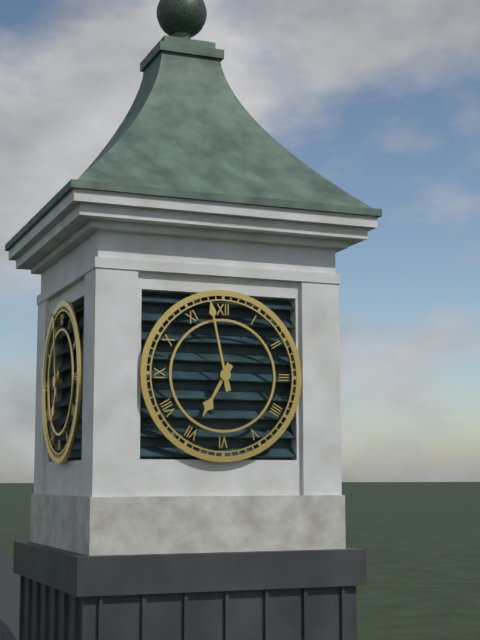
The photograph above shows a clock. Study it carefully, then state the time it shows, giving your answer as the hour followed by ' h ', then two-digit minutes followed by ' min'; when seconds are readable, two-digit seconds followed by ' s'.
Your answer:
6 h 58 min
